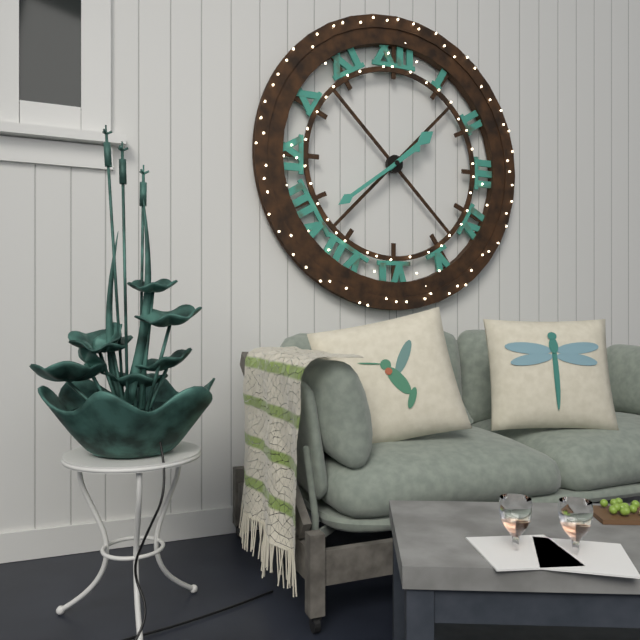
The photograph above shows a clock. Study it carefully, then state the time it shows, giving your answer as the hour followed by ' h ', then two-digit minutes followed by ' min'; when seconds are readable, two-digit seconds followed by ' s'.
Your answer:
1 h 39 min
